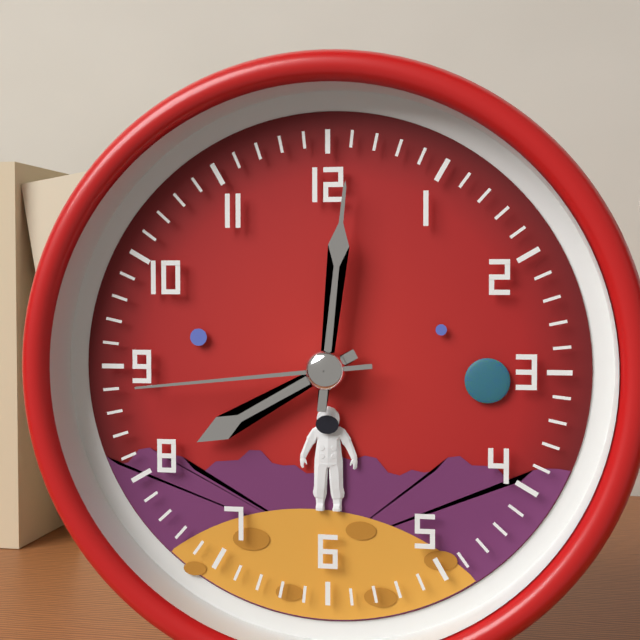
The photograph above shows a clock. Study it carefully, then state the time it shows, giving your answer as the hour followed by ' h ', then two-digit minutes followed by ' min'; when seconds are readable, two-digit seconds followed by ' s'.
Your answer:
8 h 01 min 44 s
